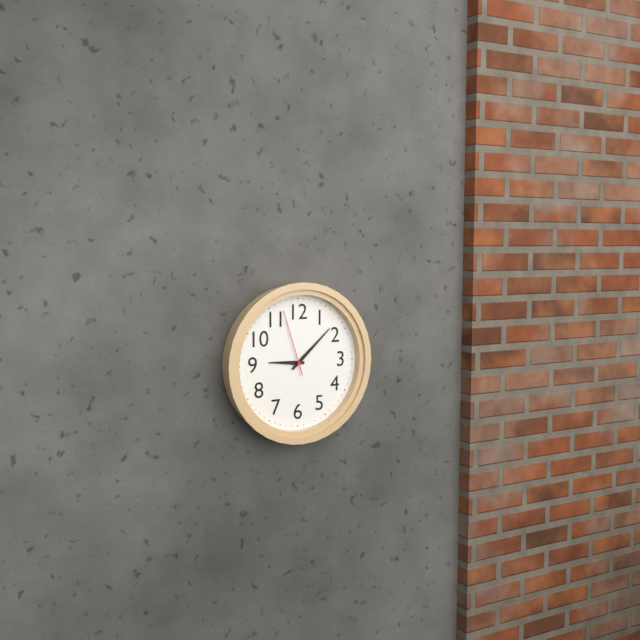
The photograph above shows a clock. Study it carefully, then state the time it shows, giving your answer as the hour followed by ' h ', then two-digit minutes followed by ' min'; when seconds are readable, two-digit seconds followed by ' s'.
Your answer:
9 h 08 min 57 s
